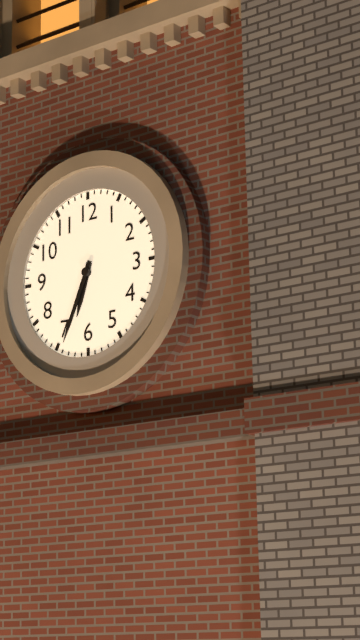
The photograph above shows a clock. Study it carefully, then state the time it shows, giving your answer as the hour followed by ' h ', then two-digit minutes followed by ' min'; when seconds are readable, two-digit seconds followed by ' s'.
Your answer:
6 h 34 min
